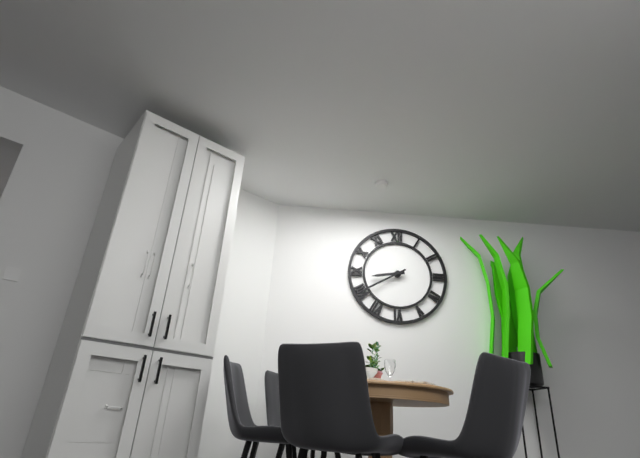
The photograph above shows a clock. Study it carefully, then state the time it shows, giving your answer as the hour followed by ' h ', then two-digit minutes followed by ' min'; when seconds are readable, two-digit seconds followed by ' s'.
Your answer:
8 h 40 min
